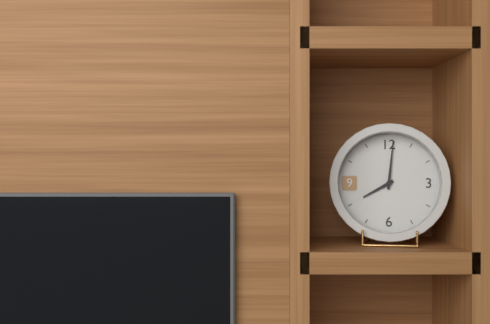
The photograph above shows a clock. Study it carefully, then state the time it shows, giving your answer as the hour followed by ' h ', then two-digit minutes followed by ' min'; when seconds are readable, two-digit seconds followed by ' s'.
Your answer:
8 h 01 min
